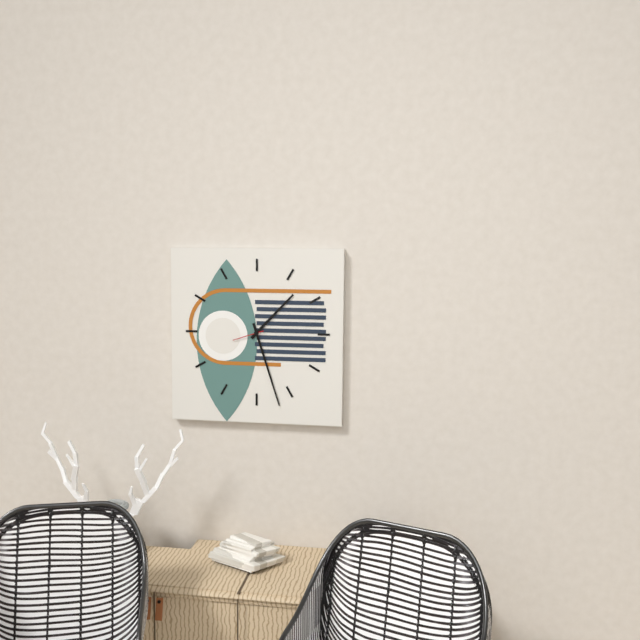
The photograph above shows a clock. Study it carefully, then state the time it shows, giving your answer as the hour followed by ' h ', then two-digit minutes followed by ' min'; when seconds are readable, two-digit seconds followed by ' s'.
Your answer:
1 h 27 min
